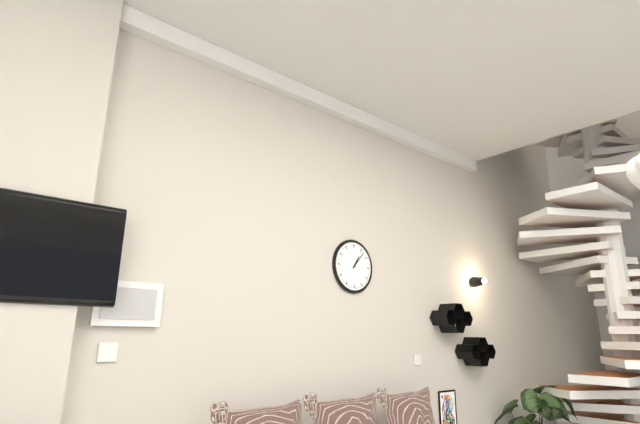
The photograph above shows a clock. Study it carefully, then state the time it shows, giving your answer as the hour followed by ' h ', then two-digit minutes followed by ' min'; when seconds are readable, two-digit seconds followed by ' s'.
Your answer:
1 h 07 min
